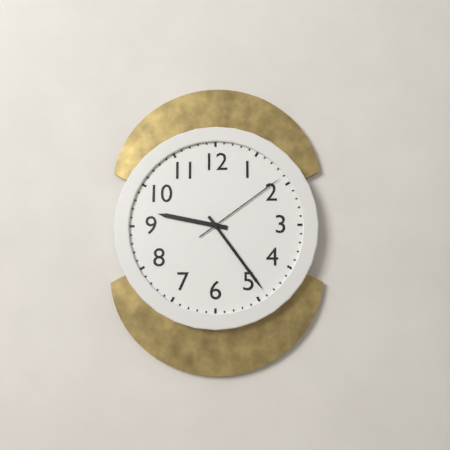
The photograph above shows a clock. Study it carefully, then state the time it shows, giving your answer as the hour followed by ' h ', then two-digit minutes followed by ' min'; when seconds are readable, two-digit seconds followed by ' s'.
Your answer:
9 h 24 min 09 s
